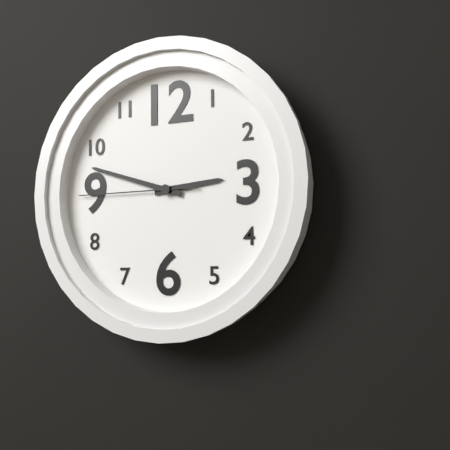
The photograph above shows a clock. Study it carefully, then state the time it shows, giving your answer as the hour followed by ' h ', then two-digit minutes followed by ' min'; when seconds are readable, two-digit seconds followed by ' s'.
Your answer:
2 h 48 min 45 s
